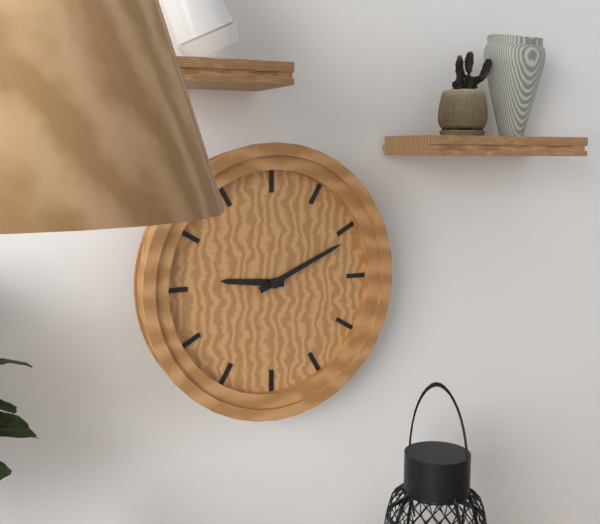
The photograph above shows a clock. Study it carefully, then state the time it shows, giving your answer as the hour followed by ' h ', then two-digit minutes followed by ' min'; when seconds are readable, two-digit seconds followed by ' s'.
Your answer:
9 h 11 min
